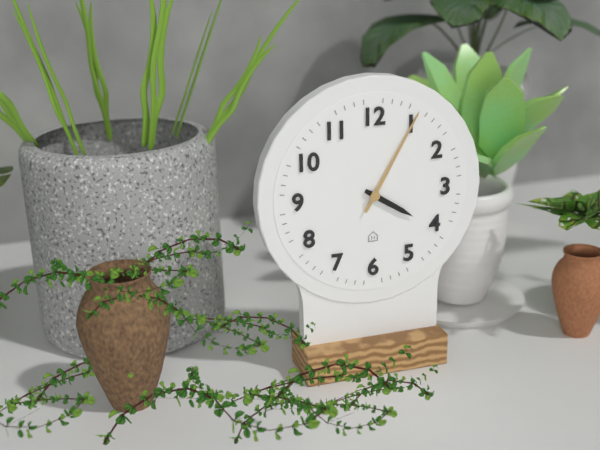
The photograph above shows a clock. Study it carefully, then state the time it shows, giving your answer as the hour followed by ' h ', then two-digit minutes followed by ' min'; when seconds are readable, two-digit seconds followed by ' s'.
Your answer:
4 h 05 min
